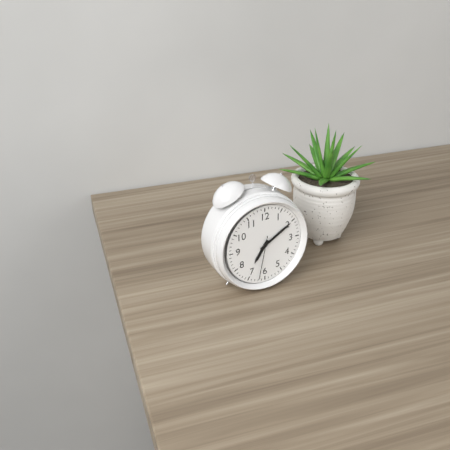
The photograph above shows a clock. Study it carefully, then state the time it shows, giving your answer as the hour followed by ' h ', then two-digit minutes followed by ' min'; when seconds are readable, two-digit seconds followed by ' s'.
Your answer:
7 h 10 min
